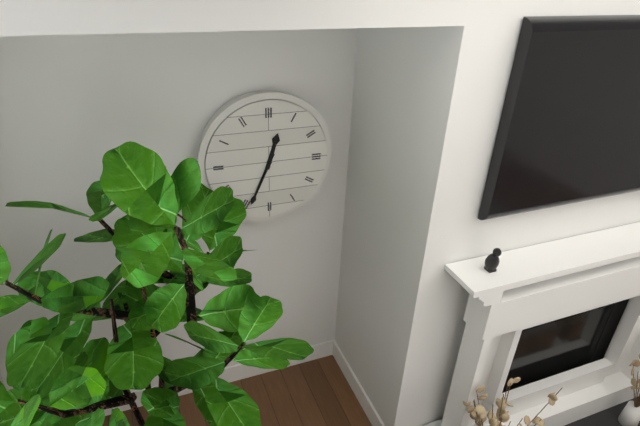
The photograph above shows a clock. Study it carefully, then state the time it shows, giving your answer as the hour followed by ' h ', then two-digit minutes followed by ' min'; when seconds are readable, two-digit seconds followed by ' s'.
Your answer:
12 h 34 min
